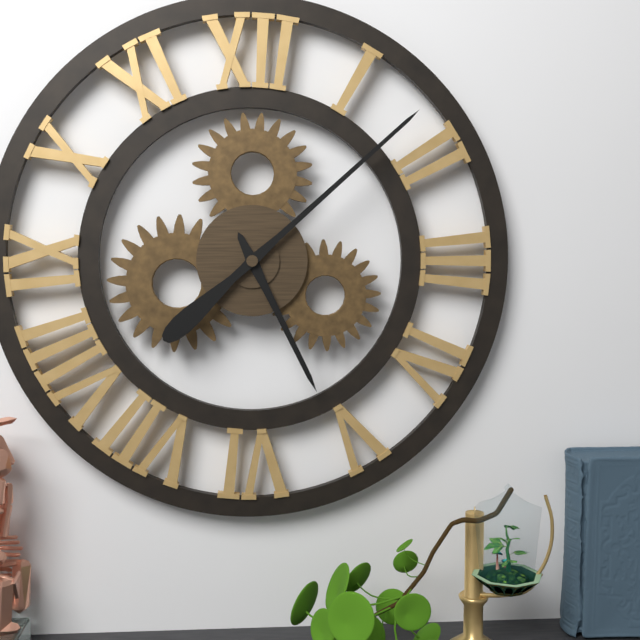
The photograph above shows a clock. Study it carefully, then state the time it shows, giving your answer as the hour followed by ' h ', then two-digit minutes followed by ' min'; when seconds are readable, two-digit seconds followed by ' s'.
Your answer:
5 h 08 min
